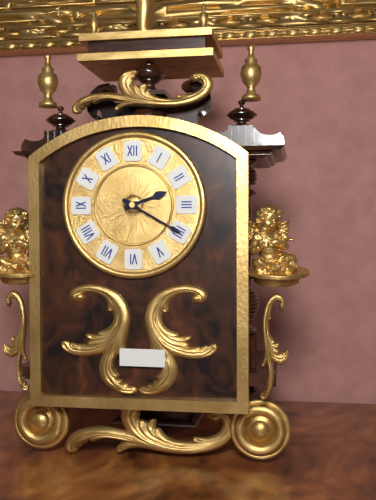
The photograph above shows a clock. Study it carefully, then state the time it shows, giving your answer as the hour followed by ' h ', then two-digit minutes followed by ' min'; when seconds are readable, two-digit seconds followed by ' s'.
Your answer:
2 h 20 min
